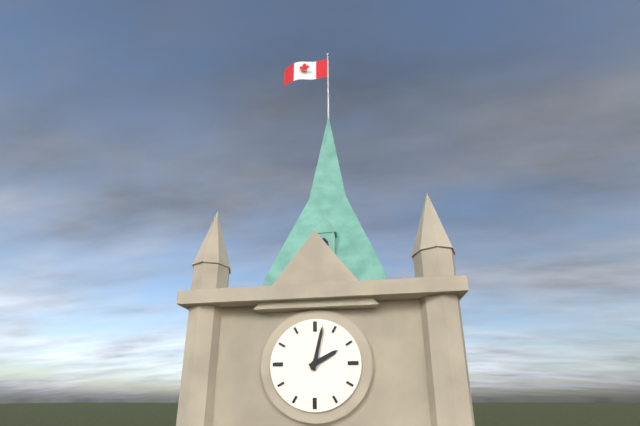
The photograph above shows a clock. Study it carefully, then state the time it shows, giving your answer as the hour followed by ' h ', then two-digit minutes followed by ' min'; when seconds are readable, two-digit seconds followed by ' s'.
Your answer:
2 h 02 min
